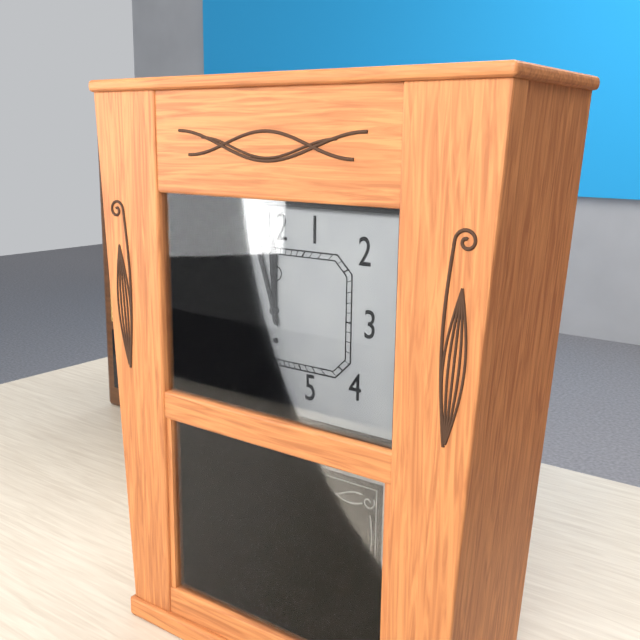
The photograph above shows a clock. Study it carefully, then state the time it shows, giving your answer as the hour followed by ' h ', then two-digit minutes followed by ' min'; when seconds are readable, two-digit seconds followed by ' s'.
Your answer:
11 h 57 min
